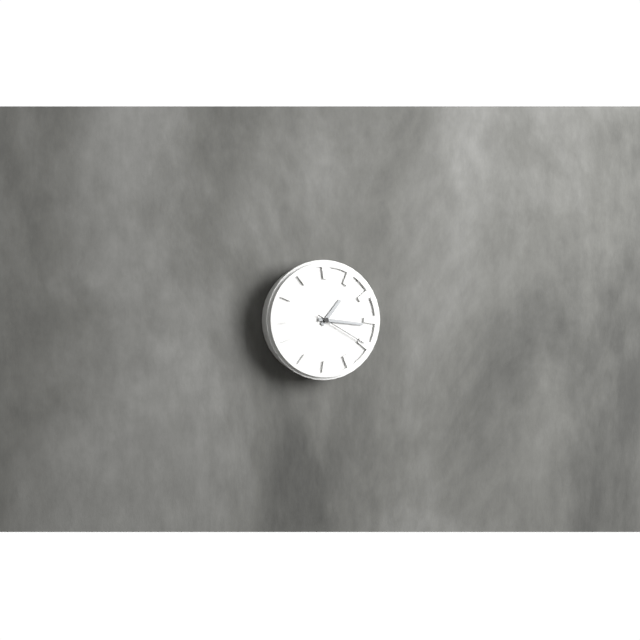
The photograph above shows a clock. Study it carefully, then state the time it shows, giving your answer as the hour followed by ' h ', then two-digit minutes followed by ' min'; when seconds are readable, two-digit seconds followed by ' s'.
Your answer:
1 h 16 min 20 s
